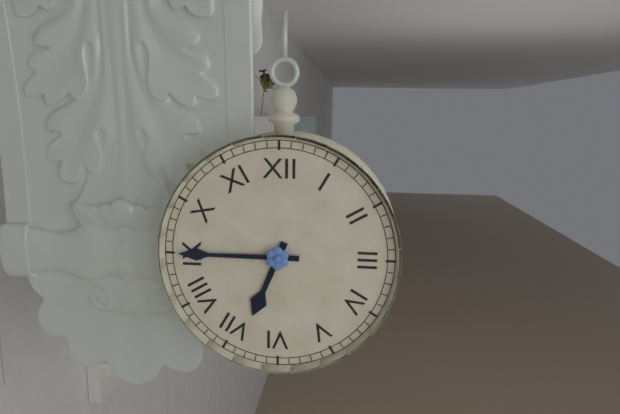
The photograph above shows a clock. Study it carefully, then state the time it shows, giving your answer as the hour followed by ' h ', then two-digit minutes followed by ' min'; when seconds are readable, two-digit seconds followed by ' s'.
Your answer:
6 h 45 min
